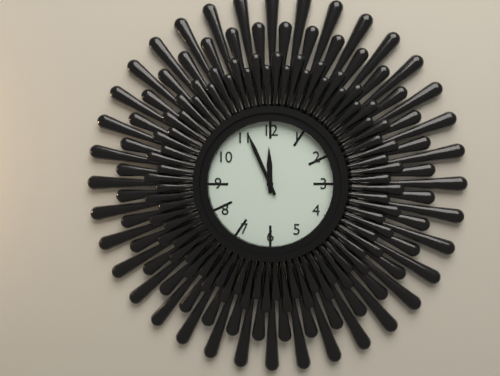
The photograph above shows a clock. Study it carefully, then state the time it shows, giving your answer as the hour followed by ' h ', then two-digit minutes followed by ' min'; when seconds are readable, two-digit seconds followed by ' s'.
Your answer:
11 h 56 min
